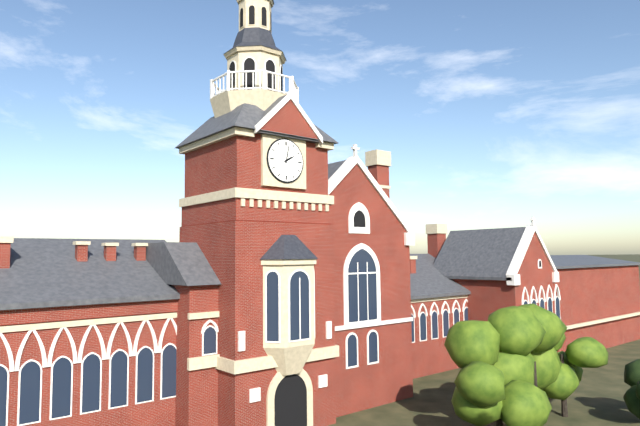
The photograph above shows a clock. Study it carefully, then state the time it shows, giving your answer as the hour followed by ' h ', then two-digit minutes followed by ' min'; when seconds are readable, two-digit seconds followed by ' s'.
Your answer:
2 h 02 min
